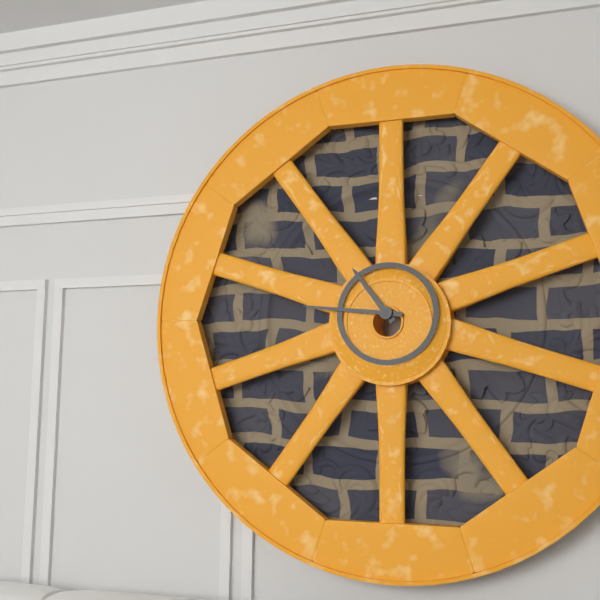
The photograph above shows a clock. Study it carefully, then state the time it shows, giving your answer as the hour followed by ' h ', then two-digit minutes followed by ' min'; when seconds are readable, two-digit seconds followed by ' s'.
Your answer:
10 h 46 min
